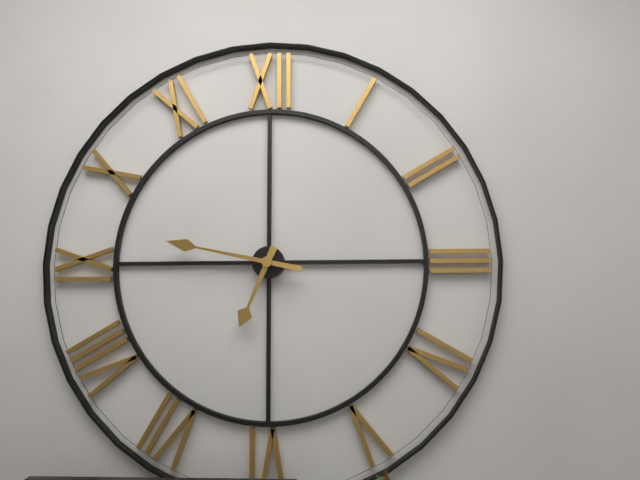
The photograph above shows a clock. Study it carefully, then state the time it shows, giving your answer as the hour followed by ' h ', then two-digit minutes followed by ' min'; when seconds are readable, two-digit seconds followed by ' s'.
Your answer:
6 h 47 min
